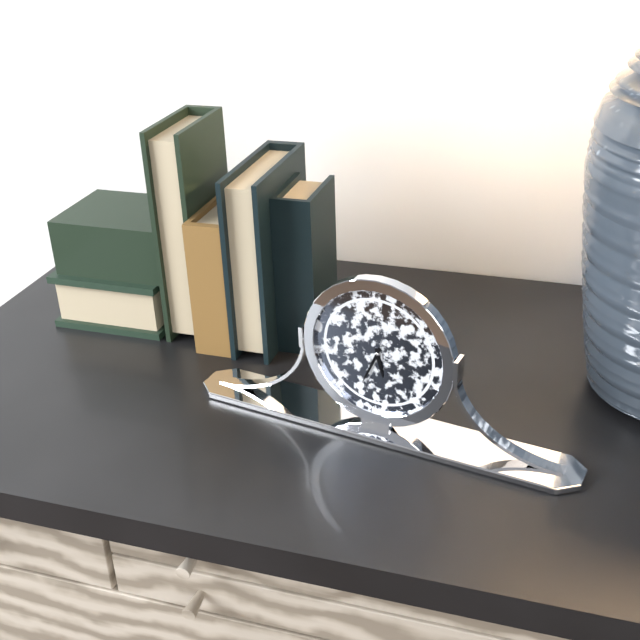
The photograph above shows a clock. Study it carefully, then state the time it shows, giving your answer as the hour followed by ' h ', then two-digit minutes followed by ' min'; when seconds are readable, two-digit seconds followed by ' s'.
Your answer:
5 h 34 min
